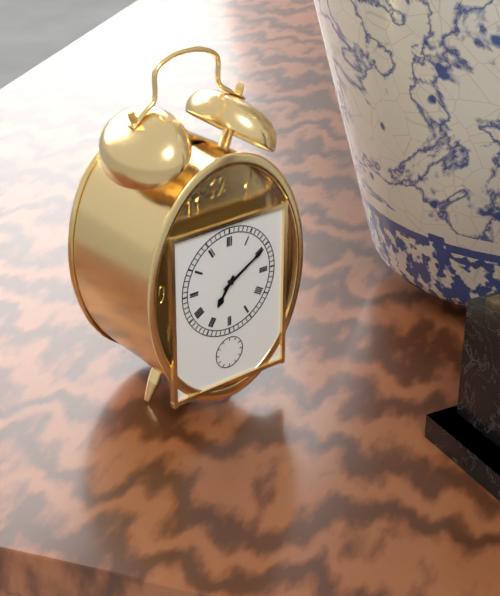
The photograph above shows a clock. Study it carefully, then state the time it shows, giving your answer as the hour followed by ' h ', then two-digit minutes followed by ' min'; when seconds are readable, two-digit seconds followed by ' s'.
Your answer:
7 h 10 min
